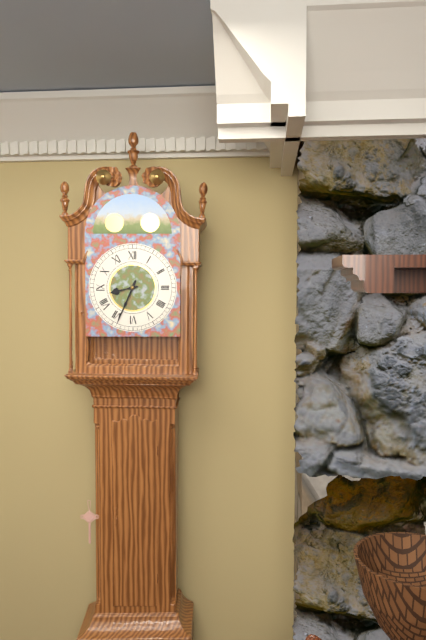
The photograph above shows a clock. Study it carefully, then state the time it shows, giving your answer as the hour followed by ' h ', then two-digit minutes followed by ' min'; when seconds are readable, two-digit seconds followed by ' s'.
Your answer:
8 h 34 min
